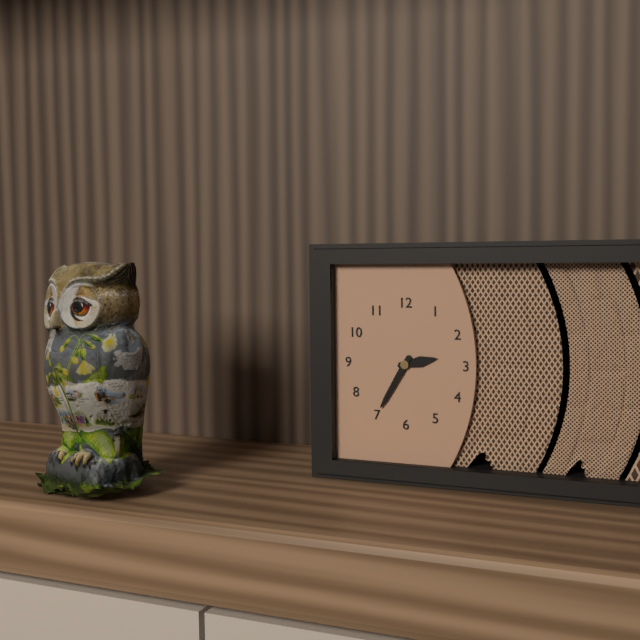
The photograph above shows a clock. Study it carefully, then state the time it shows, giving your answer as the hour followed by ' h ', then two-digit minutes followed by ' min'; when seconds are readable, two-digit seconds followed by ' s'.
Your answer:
2 h 35 min
